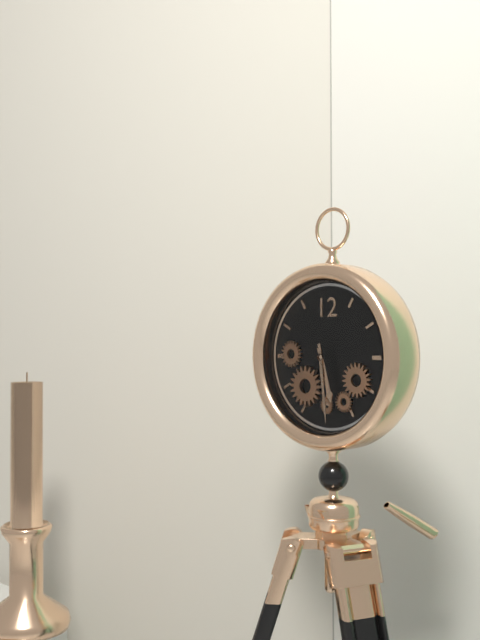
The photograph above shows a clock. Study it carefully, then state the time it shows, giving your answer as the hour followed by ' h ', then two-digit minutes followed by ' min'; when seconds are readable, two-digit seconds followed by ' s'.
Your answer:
5 h 29 min
